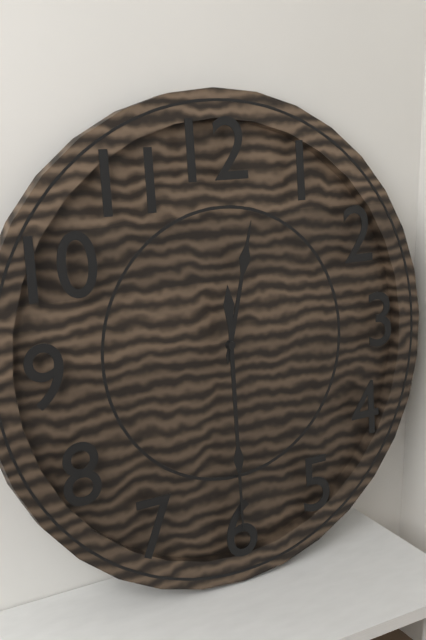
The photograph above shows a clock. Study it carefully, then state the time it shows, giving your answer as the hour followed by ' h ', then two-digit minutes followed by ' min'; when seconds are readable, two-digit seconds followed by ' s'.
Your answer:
12 h 30 min
